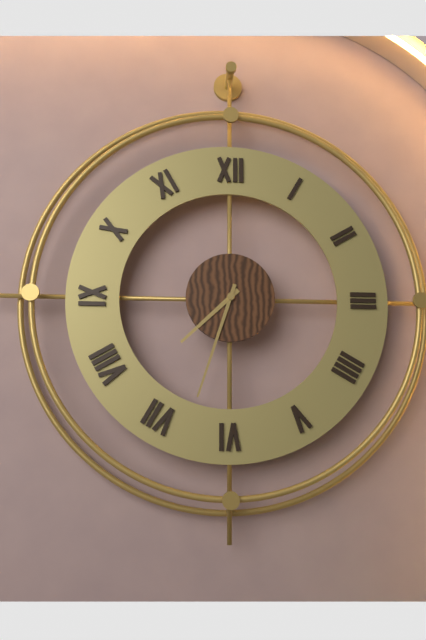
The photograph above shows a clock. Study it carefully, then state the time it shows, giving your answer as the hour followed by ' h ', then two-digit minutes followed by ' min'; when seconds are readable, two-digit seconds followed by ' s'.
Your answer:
7 h 33 min
